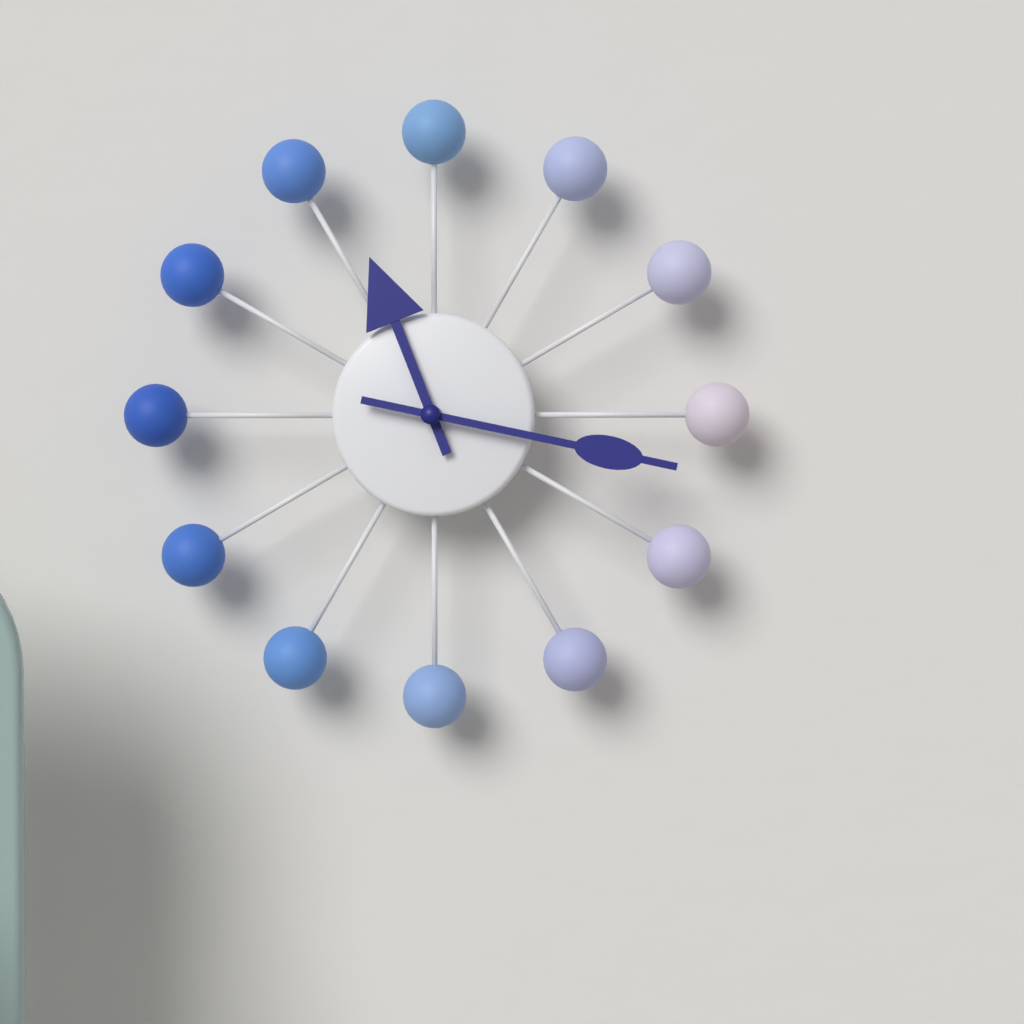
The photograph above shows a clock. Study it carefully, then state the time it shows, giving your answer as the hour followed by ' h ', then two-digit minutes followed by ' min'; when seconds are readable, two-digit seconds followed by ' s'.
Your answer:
11 h 17 min
